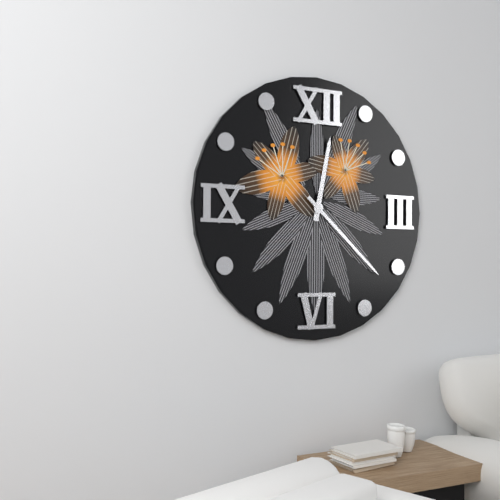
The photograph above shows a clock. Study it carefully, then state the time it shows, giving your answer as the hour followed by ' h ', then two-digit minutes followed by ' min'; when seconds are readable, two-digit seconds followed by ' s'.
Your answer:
12 h 22 min
